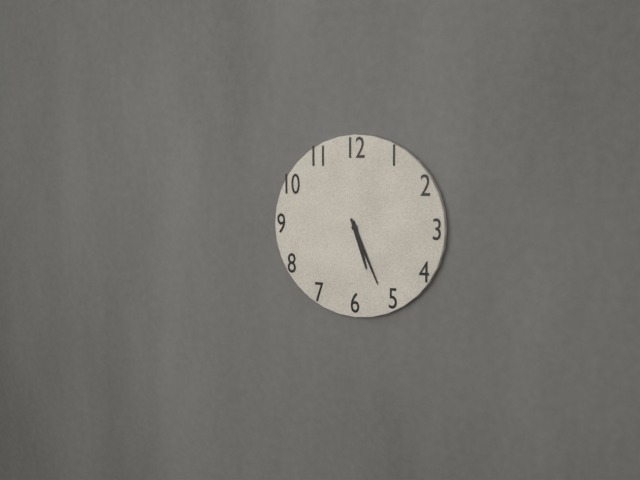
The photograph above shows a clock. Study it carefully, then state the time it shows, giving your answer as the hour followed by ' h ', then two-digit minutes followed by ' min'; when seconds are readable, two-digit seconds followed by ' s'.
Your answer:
5 h 26 min
